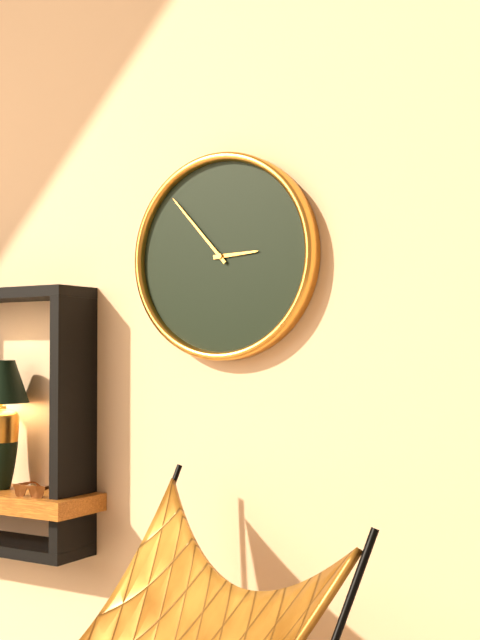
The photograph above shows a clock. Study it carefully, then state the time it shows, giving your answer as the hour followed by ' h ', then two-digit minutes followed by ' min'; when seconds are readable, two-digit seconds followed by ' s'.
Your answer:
2 h 53 min
